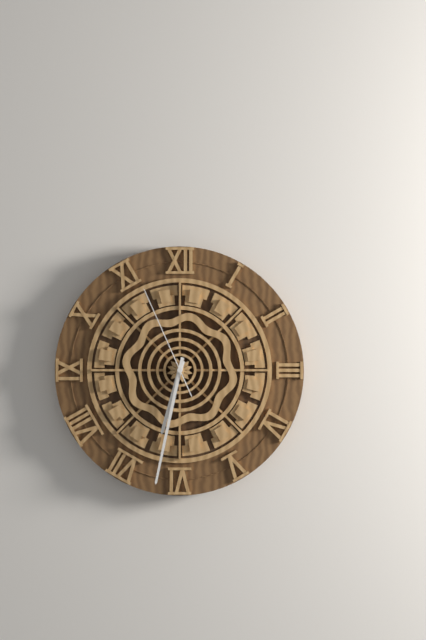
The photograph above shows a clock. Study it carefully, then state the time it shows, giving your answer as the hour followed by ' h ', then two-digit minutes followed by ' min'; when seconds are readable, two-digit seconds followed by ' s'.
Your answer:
6 h 32 min 56 s
